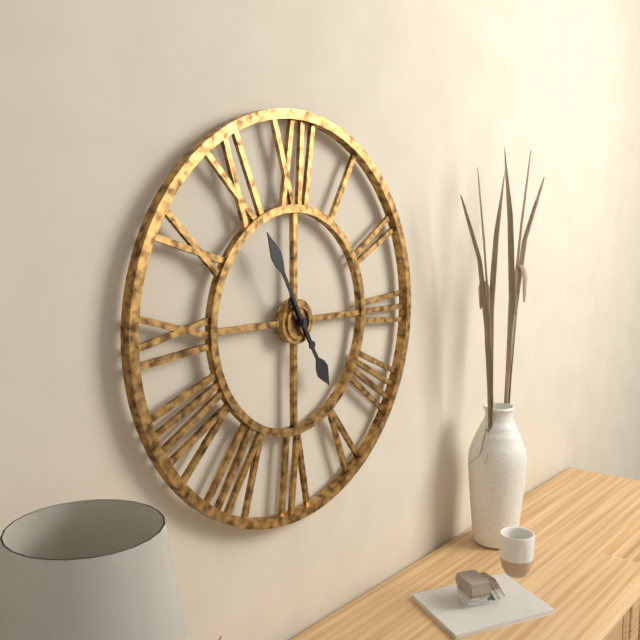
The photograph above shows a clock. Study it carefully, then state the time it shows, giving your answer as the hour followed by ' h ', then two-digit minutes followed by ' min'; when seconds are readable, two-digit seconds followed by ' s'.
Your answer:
4 h 55 min
